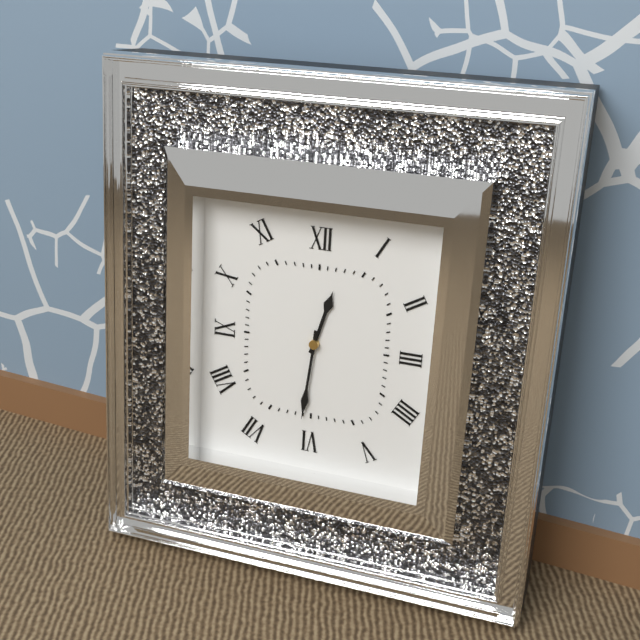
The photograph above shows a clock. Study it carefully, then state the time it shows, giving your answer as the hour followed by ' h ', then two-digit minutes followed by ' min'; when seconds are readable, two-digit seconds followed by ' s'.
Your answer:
12 h 31 min
